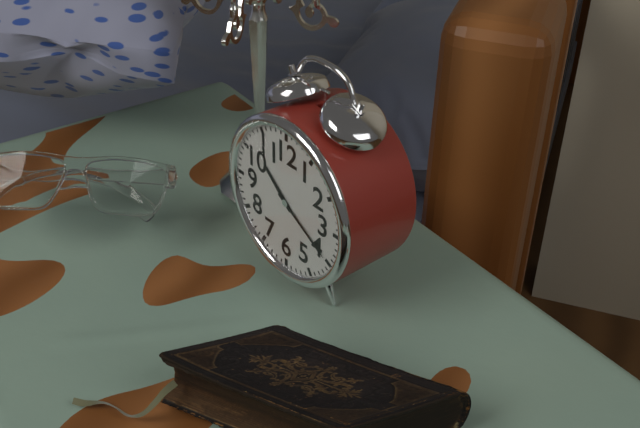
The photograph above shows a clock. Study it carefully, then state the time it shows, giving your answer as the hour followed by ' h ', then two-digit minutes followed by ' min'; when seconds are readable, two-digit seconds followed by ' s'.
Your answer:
10 h 20 min
